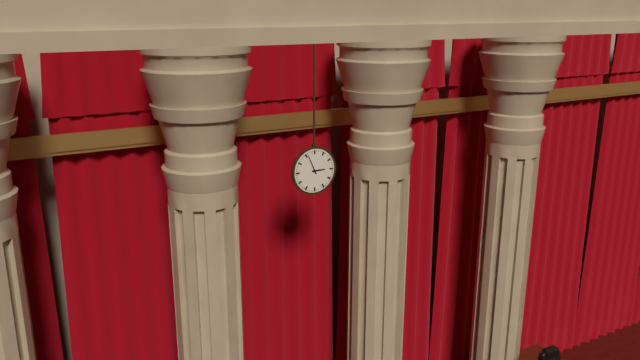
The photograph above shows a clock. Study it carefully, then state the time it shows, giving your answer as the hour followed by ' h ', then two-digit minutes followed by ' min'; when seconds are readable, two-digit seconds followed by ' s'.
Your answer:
2 h 56 min
